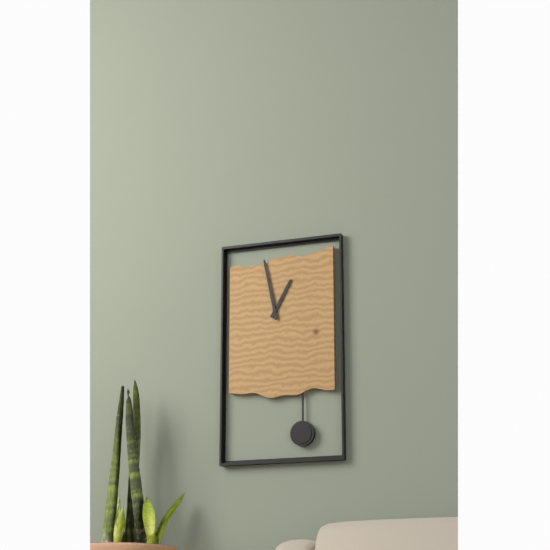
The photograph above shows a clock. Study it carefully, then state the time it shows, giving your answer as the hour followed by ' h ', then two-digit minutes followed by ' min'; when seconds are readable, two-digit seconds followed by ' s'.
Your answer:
12 h 58 min
